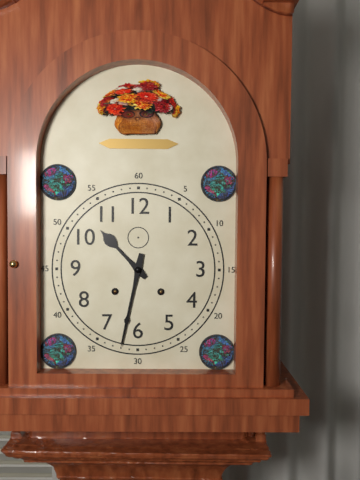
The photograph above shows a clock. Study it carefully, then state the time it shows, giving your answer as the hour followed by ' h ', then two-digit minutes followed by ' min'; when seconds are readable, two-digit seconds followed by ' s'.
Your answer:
10 h 32 min
